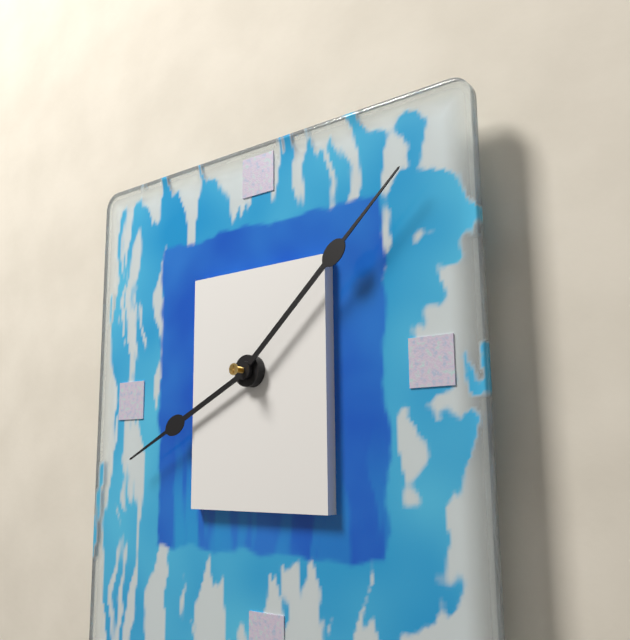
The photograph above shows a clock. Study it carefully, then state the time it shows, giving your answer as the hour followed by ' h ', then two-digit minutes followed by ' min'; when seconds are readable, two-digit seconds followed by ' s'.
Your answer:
8 h 08 min
